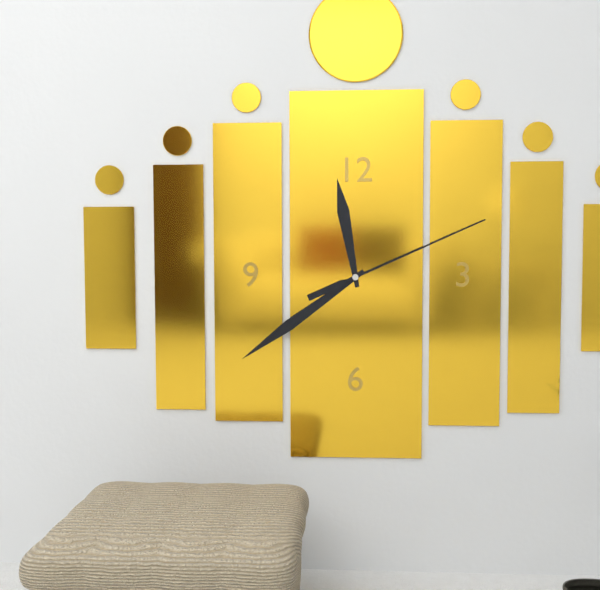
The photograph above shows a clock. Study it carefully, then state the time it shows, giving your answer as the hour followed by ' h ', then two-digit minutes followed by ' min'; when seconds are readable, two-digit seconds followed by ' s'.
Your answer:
11 h 39 min 11 s
